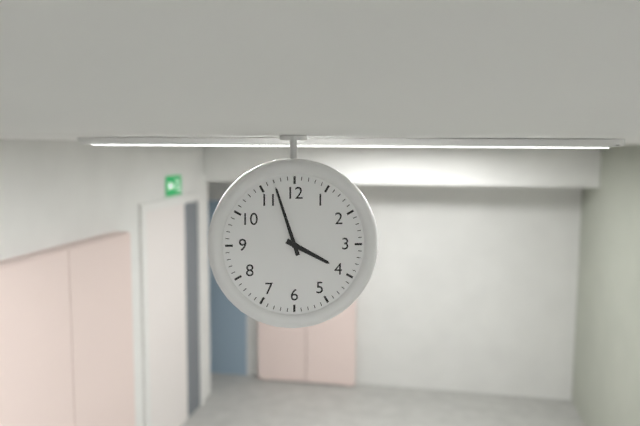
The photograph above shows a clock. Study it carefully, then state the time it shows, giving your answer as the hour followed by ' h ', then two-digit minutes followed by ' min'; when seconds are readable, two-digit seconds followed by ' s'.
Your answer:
3 h 57 min
